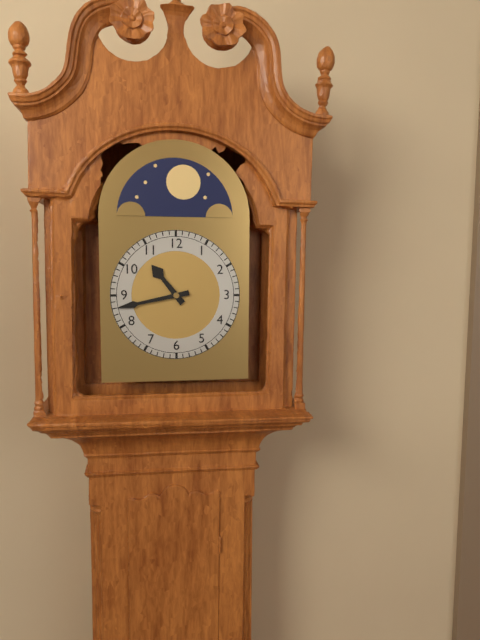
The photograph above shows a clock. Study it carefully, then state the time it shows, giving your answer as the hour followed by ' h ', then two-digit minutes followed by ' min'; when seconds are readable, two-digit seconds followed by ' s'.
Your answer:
10 h 43 min
